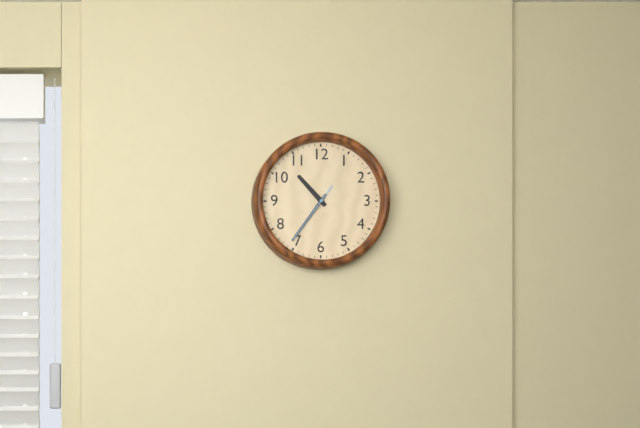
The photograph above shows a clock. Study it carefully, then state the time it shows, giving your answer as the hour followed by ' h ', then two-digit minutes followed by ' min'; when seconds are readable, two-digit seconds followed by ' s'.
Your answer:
10 h 36 min 36 s
